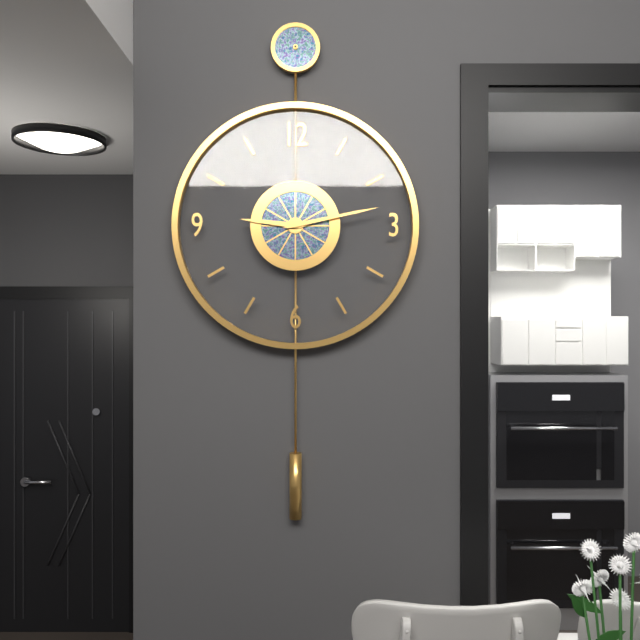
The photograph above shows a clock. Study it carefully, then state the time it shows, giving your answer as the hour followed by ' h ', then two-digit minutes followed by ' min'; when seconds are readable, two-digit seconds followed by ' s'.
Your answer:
9 h 13 min
